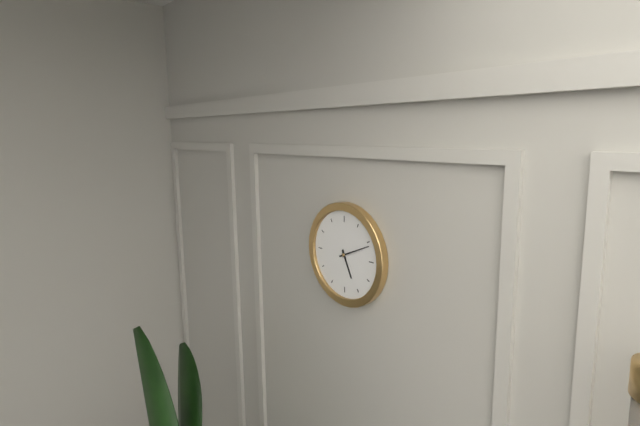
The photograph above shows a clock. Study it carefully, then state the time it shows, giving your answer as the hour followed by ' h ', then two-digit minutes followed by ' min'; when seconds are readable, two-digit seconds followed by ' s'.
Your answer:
5 h 11 min
